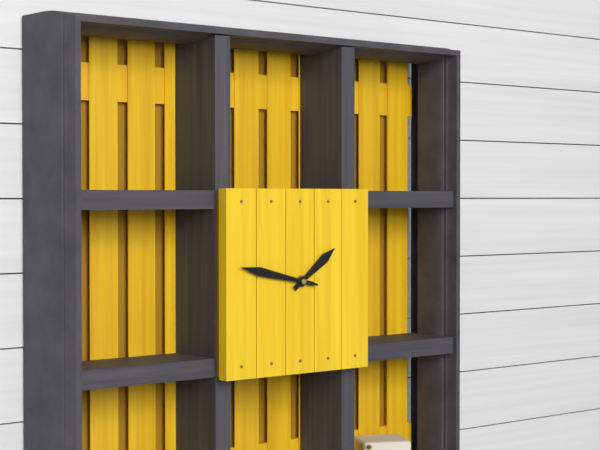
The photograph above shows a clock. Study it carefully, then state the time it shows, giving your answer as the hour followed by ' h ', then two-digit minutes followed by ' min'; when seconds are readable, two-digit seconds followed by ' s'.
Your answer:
1 h 47 min 47 s
